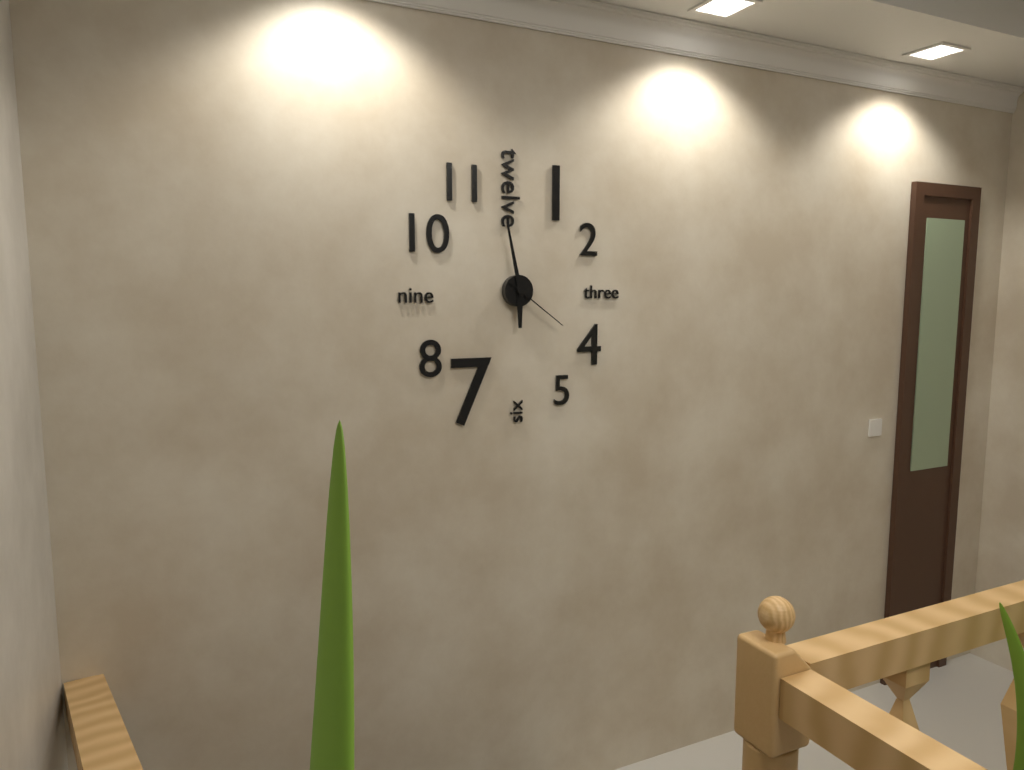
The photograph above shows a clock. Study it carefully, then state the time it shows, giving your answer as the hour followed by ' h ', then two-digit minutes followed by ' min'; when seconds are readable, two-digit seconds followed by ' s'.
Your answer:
5 h 58 min 21 s
